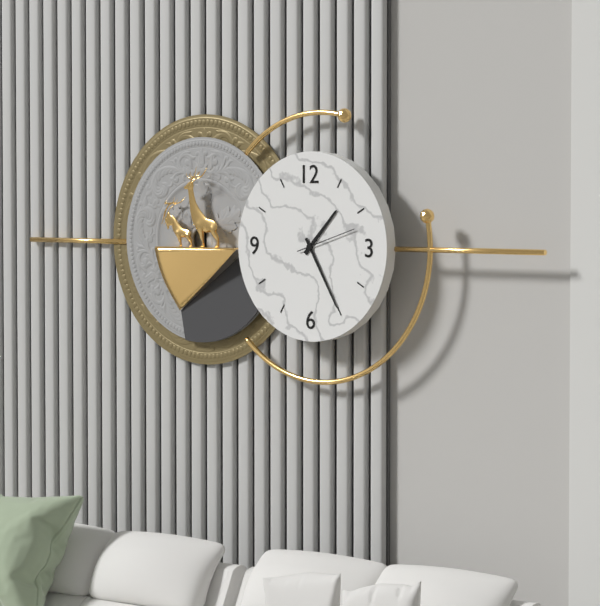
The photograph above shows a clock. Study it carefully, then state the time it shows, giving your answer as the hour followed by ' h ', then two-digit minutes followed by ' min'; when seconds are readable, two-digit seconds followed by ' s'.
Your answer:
1 h 25 min 12 s
